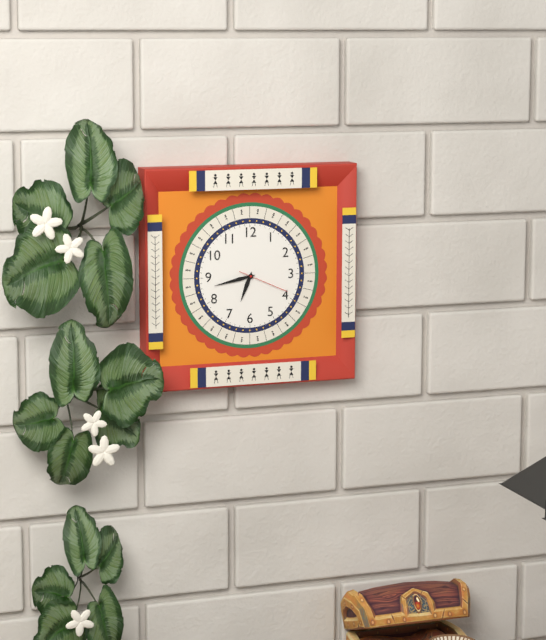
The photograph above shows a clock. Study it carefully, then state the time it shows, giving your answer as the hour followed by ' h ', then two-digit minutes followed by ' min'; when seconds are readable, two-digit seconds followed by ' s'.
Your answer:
6 h 43 min 19 s
